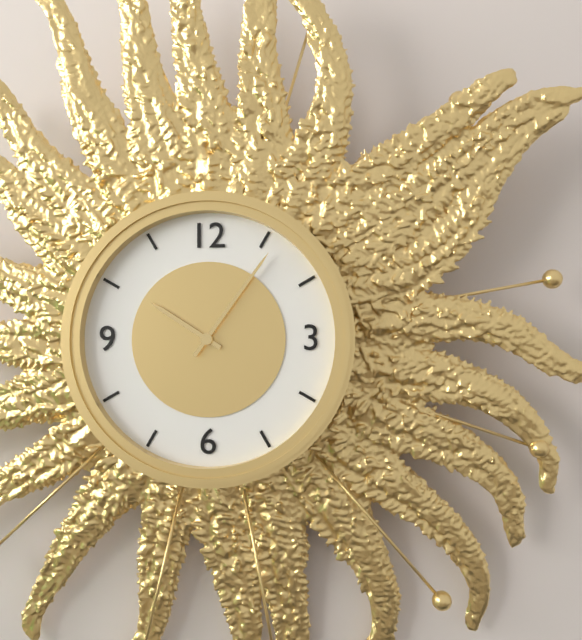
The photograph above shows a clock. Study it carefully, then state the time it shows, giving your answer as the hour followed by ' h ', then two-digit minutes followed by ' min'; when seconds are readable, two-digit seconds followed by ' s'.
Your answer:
10 h 06 min
